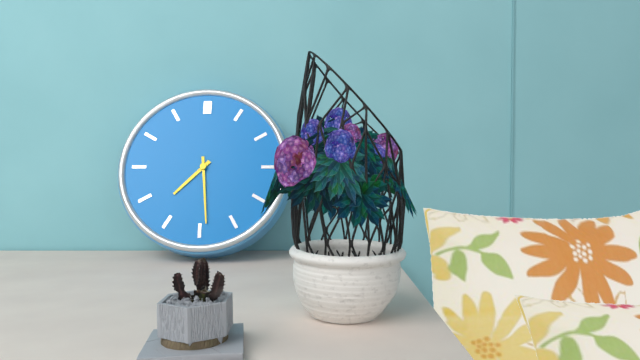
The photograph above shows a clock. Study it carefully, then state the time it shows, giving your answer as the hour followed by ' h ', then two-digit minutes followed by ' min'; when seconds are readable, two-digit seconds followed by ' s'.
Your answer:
7 h 29 min
